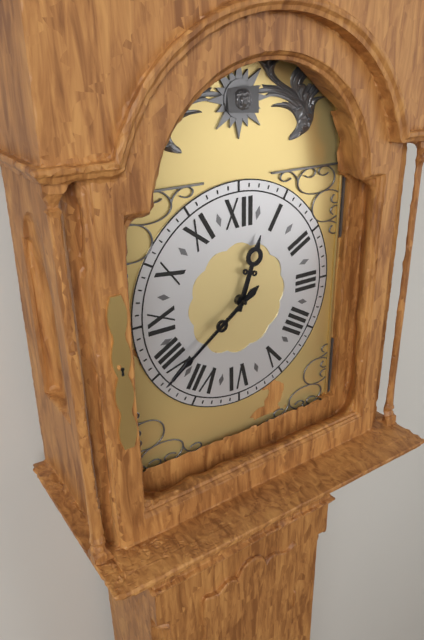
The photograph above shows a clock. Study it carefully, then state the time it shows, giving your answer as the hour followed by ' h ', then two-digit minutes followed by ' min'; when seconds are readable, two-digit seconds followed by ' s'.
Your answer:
12 h 39 min
